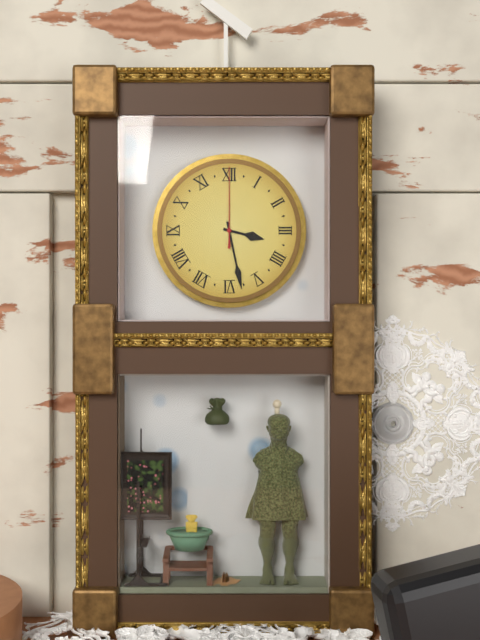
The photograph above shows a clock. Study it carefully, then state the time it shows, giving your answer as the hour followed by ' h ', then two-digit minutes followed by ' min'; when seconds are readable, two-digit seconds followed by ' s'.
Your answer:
3 h 28 min 00 s
